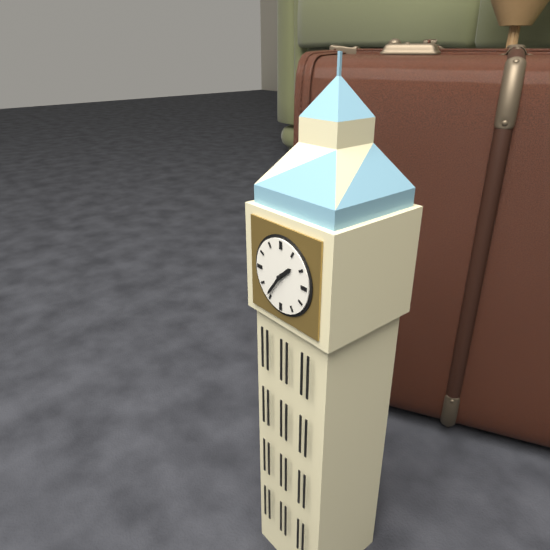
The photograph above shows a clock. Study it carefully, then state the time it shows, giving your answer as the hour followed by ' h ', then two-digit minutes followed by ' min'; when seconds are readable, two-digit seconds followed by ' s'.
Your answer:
1 h 36 min
